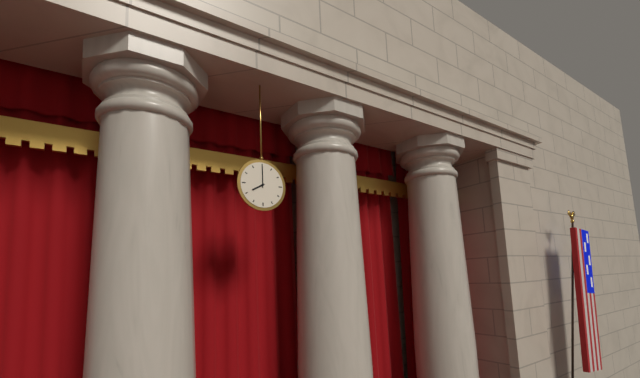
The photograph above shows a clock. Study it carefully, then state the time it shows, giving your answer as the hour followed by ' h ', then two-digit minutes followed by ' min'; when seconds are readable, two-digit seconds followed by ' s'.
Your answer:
8 h 00 min
